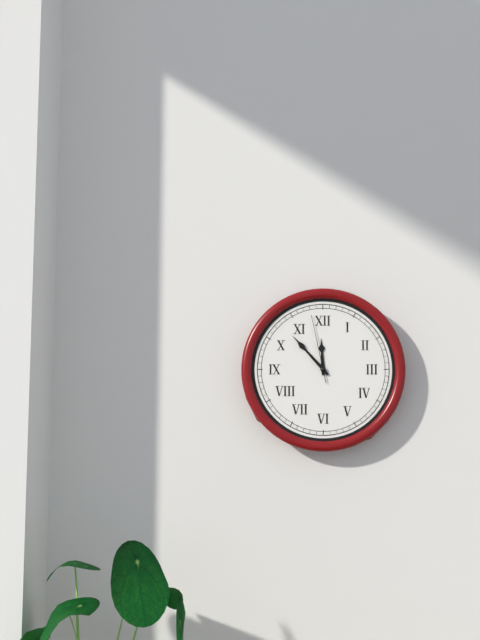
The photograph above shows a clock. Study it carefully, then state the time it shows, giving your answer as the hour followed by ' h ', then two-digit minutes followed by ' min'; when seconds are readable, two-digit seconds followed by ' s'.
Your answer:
11 h 53 min 58 s
